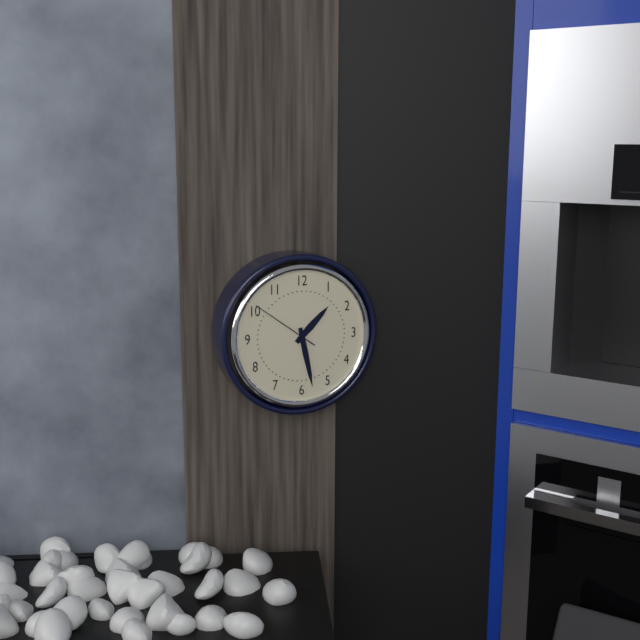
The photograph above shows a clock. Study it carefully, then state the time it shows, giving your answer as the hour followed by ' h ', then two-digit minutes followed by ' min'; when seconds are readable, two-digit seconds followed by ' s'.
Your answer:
1 h 28 min 51 s
